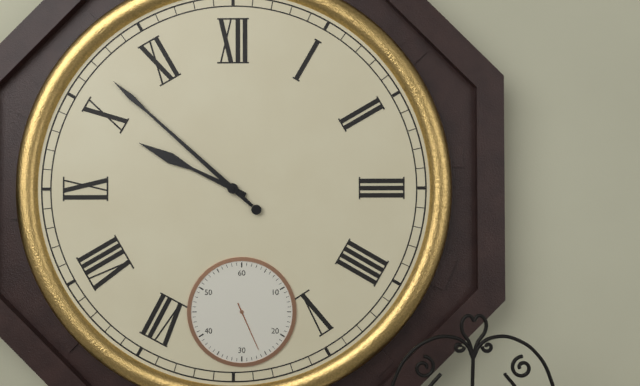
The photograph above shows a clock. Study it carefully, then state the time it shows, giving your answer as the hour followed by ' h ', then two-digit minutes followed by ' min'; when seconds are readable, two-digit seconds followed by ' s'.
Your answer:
9 h 52 min 26 s
